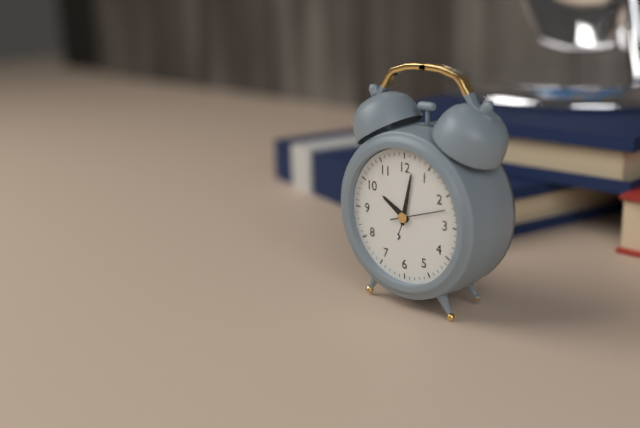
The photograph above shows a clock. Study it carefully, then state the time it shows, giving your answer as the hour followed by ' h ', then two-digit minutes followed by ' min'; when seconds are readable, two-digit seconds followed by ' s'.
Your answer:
10 h 02 min 12 s
